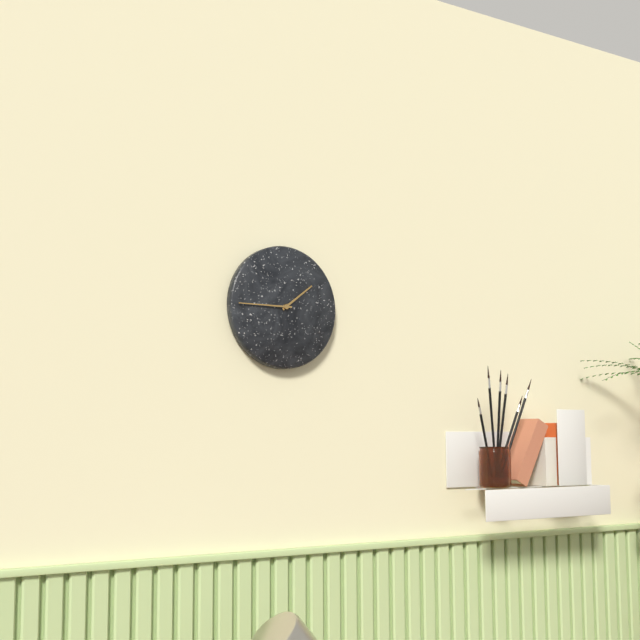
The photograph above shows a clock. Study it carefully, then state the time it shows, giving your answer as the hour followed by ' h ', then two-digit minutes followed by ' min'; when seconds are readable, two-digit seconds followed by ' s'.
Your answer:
1 h 45 min
